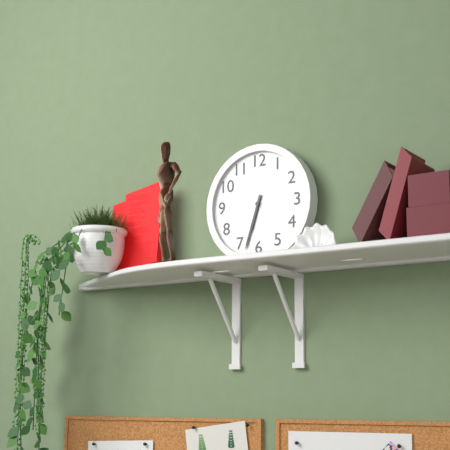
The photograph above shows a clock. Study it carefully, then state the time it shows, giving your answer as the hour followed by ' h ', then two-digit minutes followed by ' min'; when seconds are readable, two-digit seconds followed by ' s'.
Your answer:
6 h 33 min
